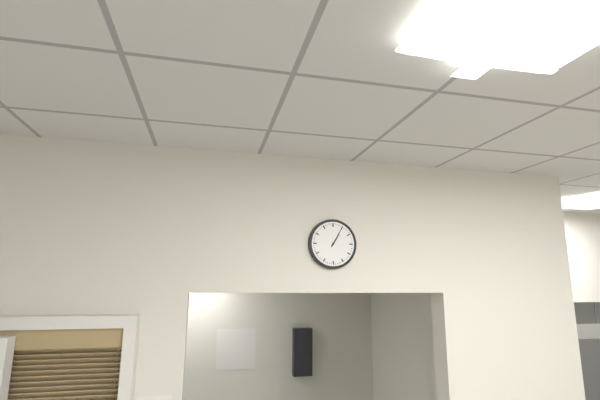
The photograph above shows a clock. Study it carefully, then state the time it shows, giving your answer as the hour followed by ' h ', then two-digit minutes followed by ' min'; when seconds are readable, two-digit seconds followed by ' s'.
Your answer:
1 h 05 min
